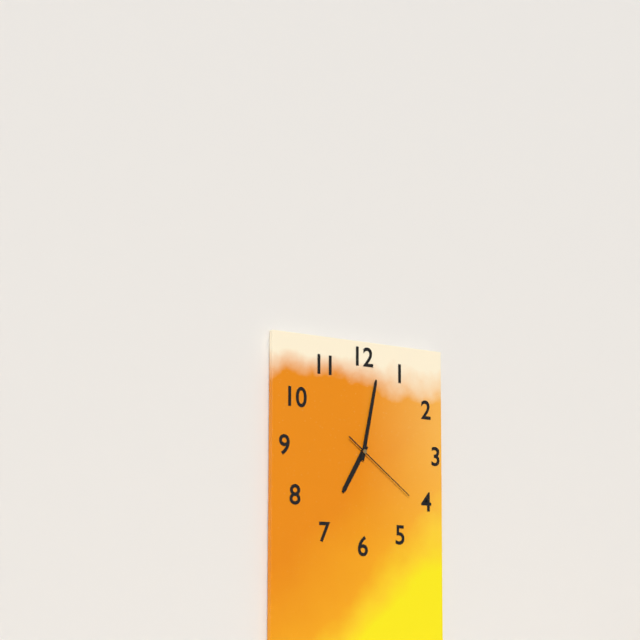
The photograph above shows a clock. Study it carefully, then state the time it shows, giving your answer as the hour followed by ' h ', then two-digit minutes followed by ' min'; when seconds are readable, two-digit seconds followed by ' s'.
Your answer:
7 h 02 min 21 s
